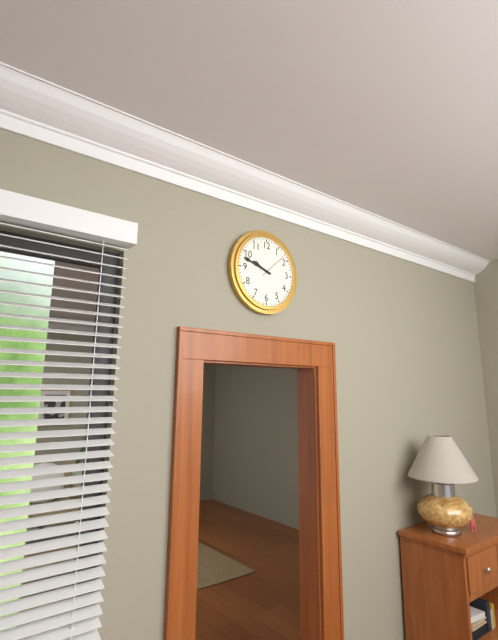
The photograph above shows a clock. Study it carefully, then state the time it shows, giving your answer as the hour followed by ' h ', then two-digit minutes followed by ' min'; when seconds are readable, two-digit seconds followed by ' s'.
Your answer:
9 h 48 min
